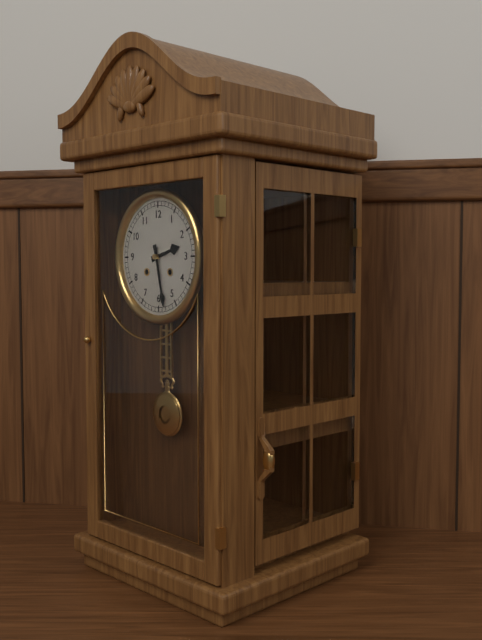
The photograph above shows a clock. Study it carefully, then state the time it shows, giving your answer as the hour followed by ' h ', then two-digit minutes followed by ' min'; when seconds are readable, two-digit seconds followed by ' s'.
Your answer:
2 h 28 min
